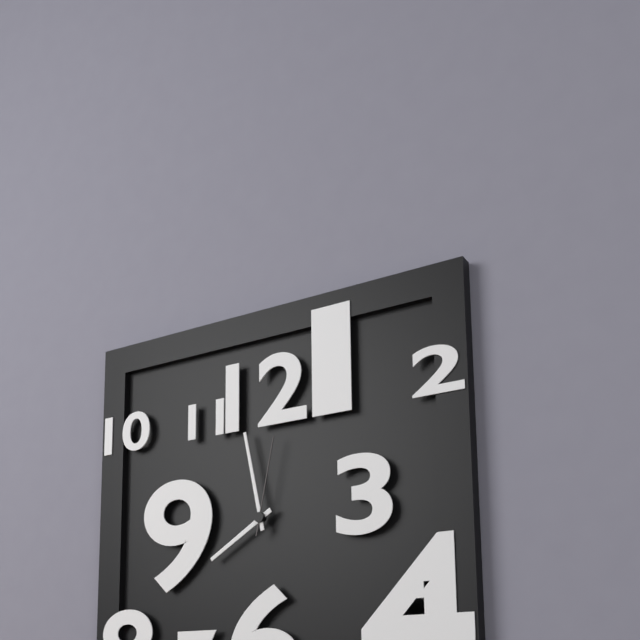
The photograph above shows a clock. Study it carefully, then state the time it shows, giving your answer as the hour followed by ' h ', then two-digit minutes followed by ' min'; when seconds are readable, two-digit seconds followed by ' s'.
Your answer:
7 h 58 min 02 s
